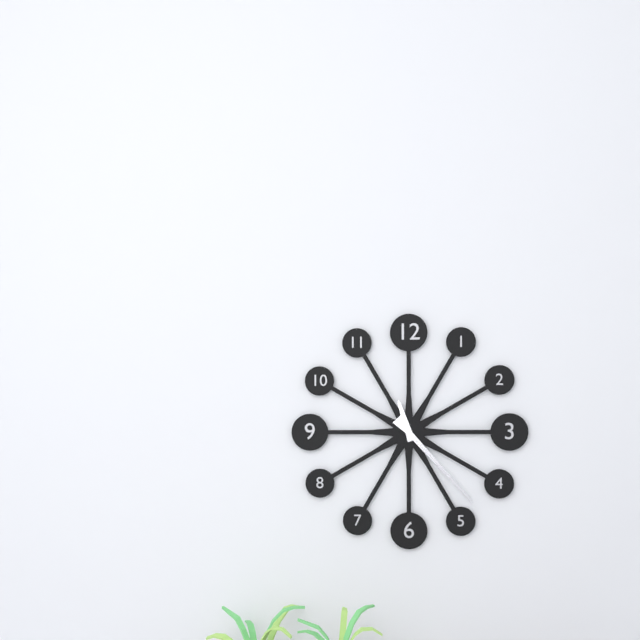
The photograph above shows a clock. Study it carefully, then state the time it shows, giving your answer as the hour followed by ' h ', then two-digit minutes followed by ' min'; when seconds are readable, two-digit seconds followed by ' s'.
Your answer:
11 h 23 min
